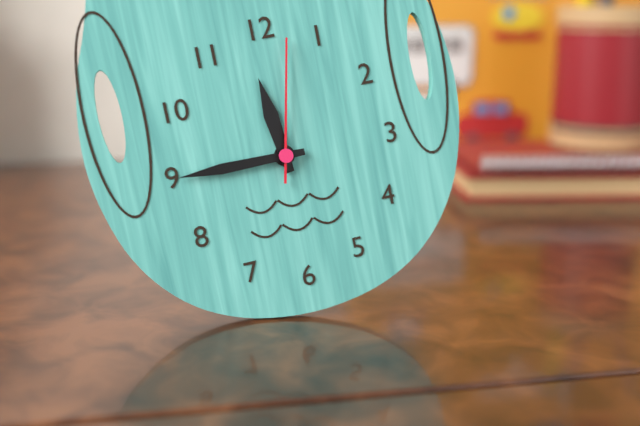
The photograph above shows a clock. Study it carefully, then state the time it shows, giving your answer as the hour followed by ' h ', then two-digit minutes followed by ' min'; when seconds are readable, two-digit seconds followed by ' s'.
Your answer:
11 h 45 min 02 s
